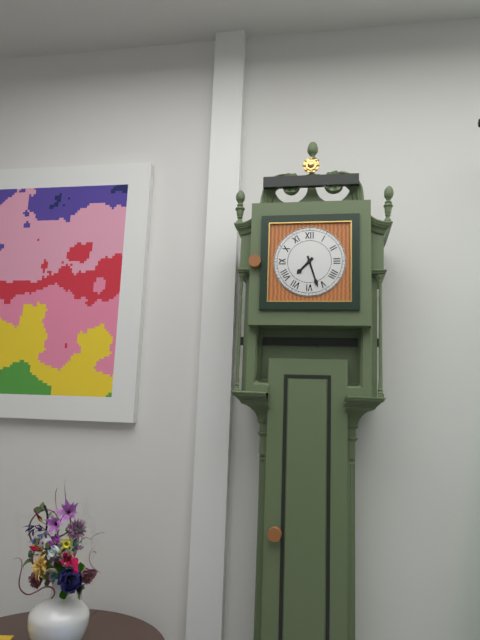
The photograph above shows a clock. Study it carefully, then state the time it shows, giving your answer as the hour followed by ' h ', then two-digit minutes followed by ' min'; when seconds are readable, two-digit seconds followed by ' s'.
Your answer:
7 h 27 min
